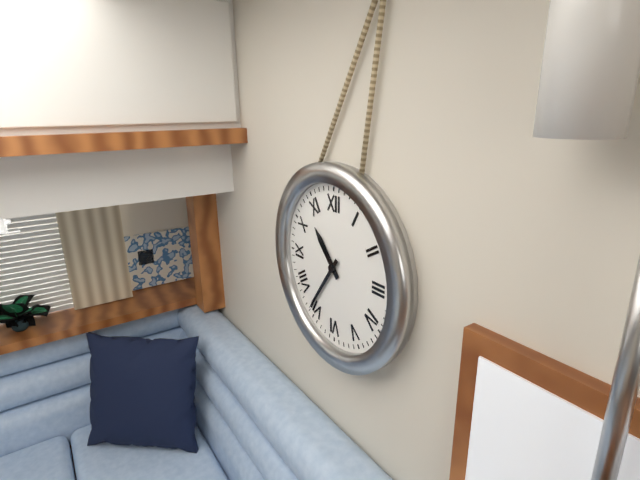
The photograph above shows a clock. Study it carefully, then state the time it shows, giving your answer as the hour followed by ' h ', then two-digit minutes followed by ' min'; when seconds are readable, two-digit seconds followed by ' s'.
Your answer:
10 h 36 min
